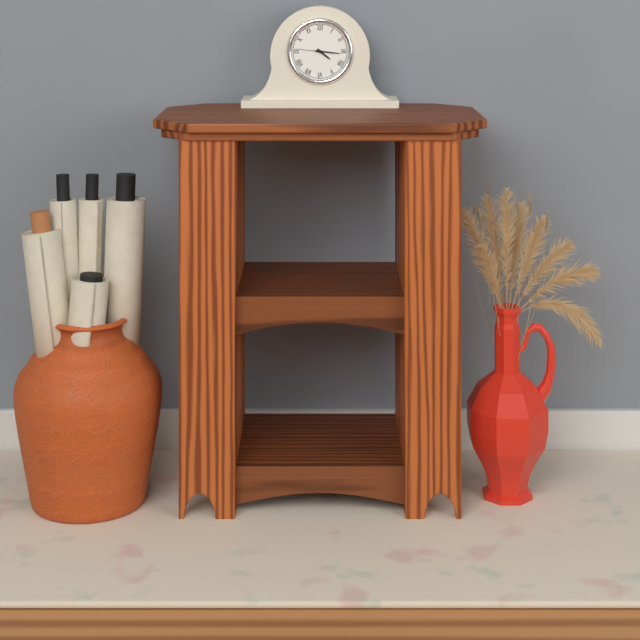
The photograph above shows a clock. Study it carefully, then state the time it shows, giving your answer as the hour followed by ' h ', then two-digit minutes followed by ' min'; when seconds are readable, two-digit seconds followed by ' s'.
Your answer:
4 h 16 min
